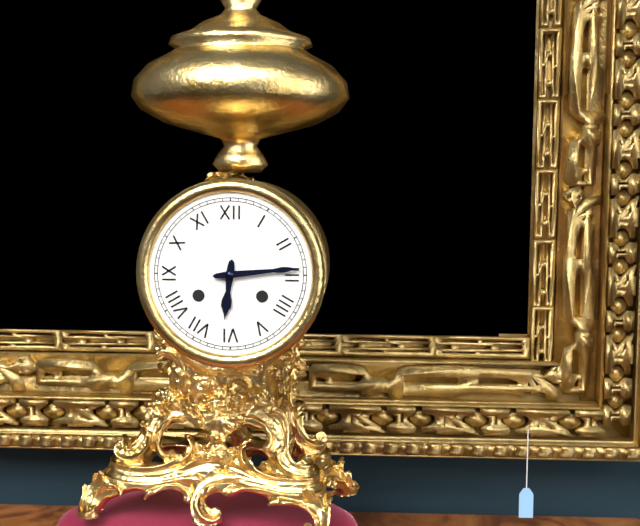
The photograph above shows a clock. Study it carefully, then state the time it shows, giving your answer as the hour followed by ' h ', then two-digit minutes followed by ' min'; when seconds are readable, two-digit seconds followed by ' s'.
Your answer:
6 h 14 min
